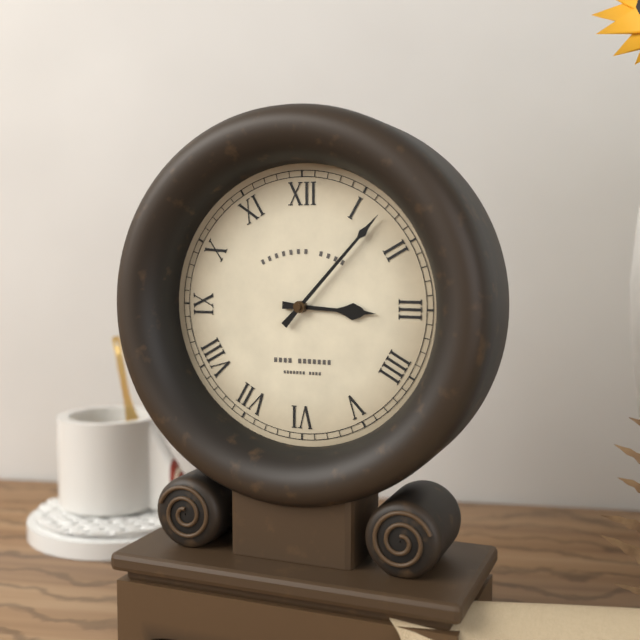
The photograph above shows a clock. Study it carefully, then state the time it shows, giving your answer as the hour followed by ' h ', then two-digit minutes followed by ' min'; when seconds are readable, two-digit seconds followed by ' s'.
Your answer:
3 h 07 min
